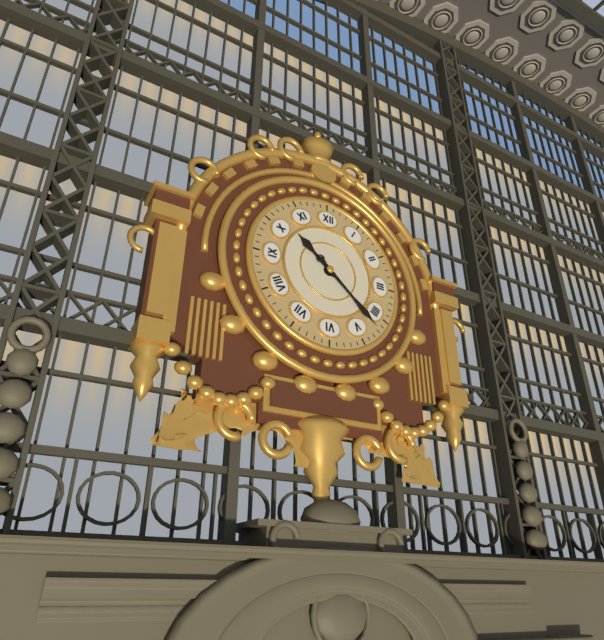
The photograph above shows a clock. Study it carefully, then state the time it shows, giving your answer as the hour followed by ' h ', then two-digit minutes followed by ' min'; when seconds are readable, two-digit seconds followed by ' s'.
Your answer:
10 h 22 min
